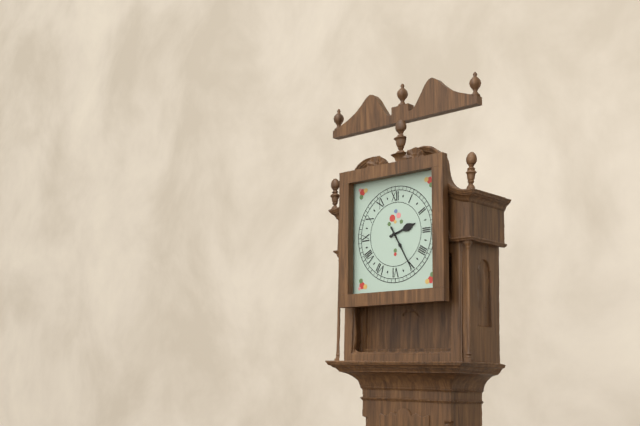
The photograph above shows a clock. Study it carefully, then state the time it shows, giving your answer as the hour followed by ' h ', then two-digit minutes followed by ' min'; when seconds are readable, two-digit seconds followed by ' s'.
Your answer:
2 h 25 min
